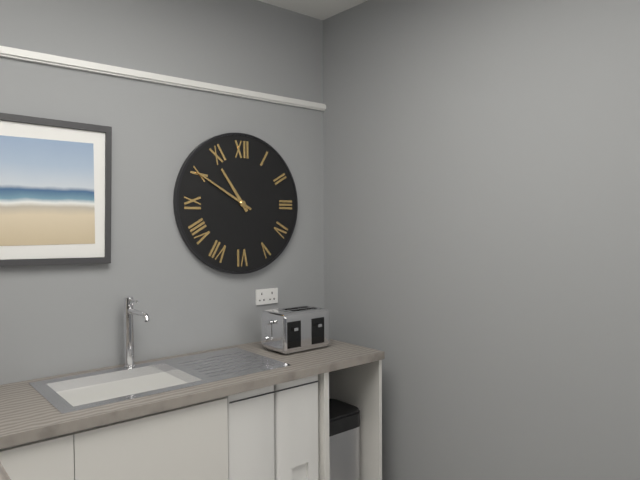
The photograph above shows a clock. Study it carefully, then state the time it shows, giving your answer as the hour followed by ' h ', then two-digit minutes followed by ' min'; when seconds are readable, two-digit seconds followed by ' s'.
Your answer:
10 h 50 min
